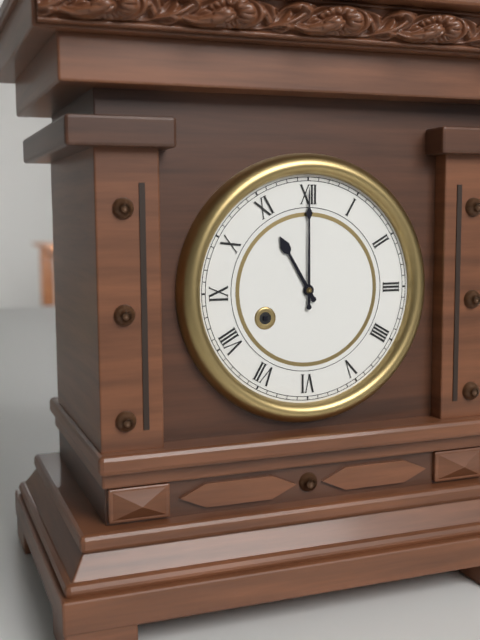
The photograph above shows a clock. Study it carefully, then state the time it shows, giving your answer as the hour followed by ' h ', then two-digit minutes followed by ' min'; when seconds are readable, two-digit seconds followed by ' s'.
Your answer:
11 h 00 min
